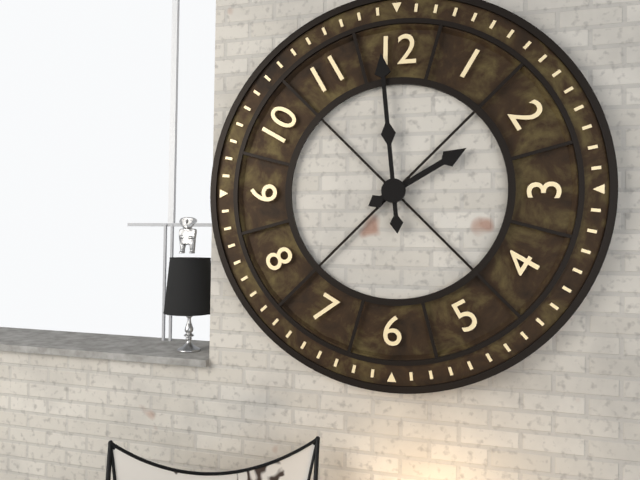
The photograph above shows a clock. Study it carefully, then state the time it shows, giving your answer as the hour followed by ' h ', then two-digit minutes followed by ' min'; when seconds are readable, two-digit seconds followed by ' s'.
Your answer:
1 h 59 min
